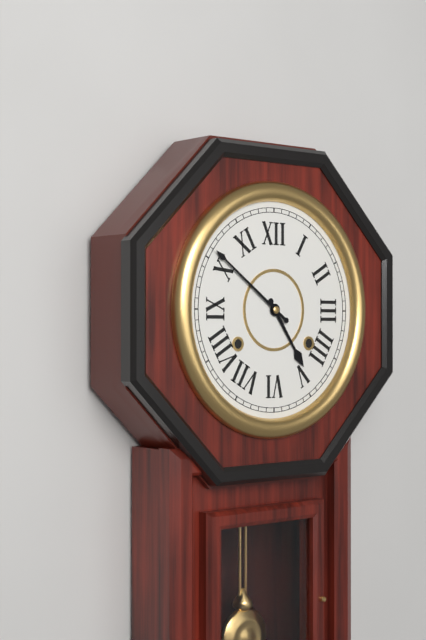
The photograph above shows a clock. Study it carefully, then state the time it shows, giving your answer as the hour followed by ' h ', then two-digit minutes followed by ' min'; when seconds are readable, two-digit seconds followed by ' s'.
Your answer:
4 h 51 min
